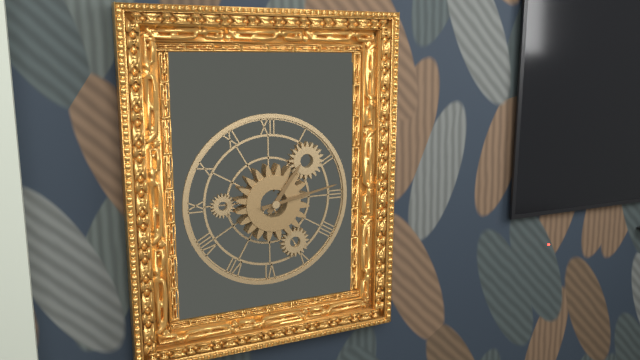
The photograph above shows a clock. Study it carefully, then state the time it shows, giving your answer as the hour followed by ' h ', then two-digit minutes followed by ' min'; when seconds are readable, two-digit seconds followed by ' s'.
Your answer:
1 h 13 min
